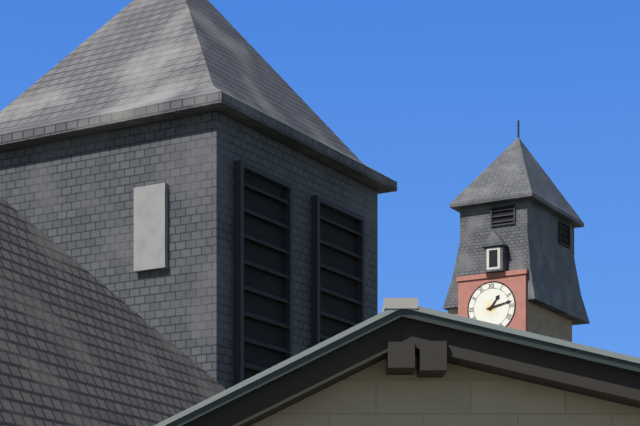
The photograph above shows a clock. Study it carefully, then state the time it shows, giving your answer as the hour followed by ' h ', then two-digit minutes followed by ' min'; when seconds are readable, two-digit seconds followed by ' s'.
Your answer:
1 h 13 min
